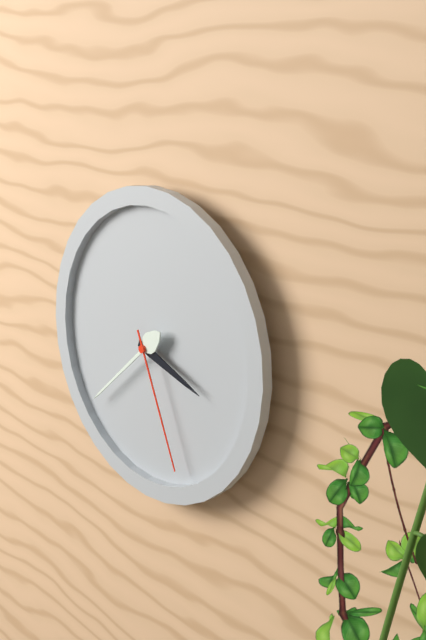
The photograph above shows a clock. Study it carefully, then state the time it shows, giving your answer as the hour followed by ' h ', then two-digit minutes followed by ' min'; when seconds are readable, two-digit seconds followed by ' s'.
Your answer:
3 h 38 min 26 s
